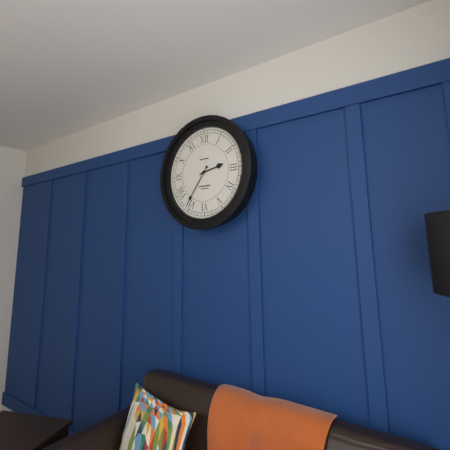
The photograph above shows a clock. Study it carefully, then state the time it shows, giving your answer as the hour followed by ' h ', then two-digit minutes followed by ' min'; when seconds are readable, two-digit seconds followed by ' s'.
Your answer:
2 h 36 min
